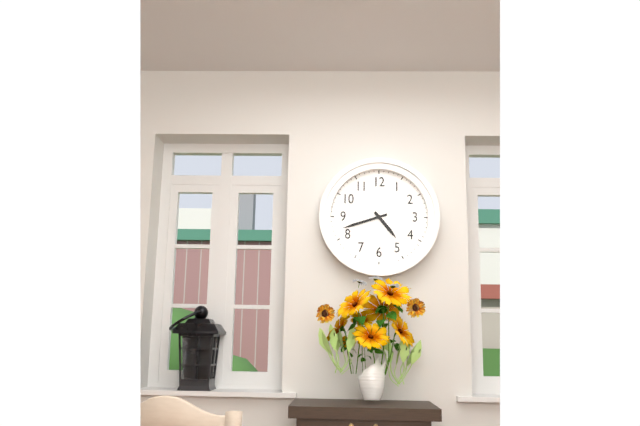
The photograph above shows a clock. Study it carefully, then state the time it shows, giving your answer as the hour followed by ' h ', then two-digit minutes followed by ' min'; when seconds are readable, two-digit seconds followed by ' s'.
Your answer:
4 h 42 min
